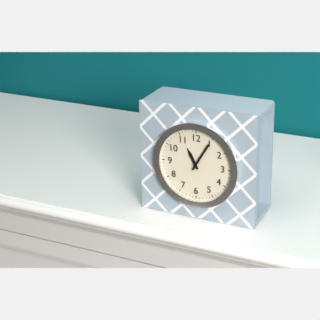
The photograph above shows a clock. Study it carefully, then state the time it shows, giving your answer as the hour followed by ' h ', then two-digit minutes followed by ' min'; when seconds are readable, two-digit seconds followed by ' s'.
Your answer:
11 h 05 min
